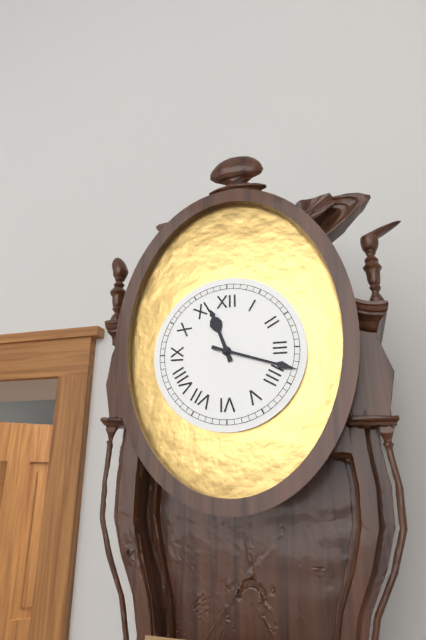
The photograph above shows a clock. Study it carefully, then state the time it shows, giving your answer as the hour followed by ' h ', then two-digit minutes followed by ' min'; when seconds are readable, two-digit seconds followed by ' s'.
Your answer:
11 h 18 min
